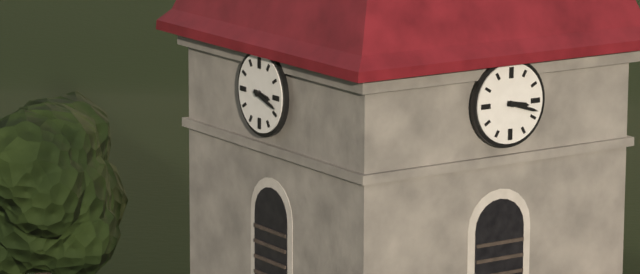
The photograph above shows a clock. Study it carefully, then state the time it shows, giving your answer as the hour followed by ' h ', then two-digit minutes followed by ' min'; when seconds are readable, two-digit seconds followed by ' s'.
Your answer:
3 h 18 min
